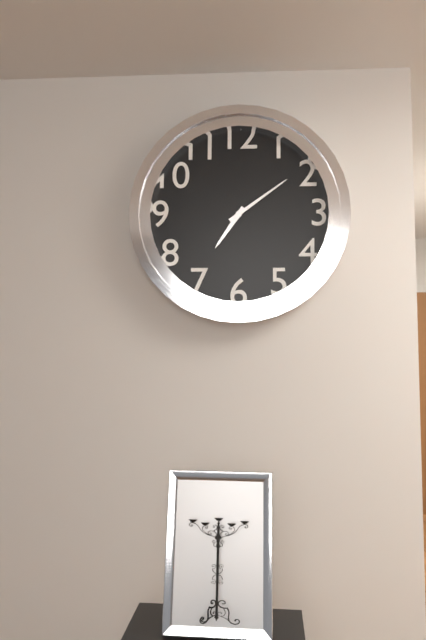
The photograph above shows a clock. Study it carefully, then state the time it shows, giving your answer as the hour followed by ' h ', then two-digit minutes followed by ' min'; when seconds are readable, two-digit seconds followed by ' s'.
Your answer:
7 h 09 min
